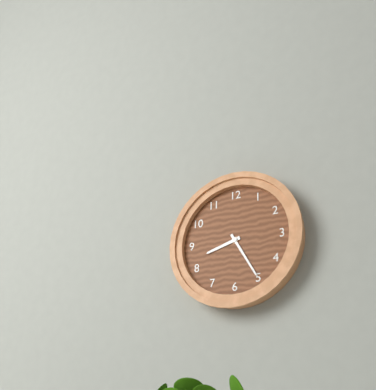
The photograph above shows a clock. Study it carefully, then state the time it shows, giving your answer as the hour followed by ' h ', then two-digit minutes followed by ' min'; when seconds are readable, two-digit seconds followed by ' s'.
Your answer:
8 h 25 min
